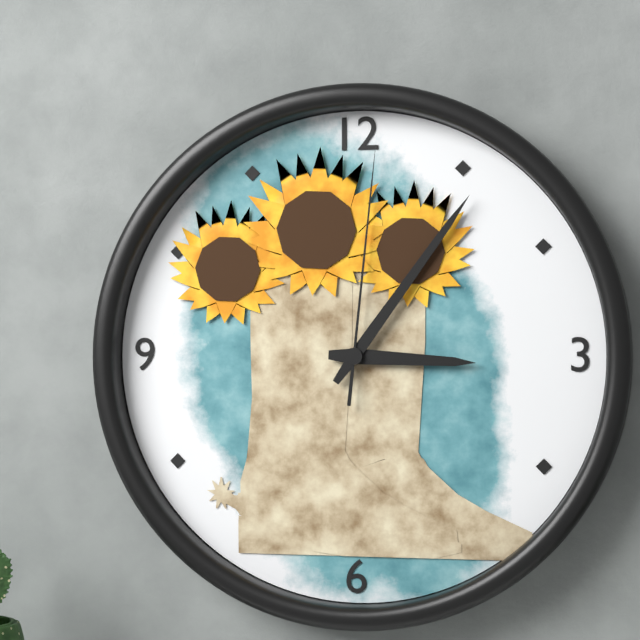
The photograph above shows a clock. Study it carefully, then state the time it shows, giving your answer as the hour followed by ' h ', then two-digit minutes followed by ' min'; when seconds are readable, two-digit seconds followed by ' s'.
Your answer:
3 h 06 min 01 s
